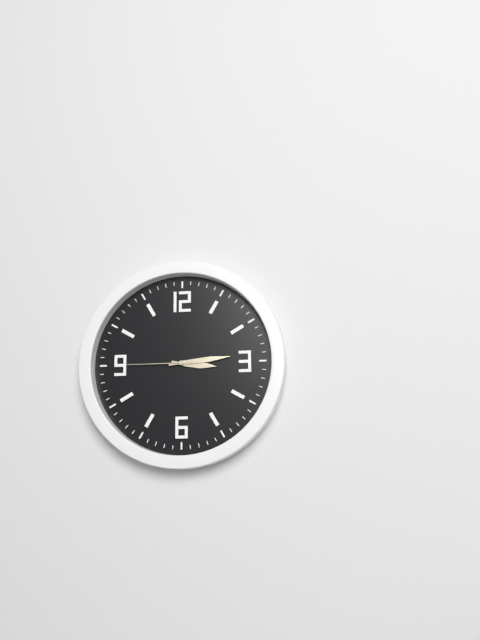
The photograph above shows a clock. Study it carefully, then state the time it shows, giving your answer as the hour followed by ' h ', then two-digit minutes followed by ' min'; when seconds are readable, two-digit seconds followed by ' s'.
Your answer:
3 h 14 min 45 s
